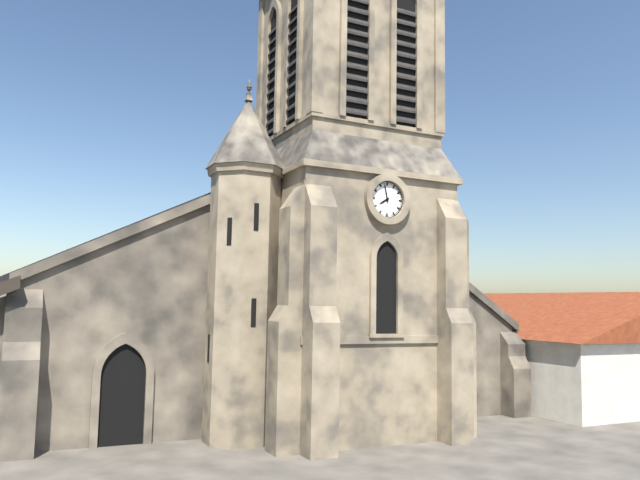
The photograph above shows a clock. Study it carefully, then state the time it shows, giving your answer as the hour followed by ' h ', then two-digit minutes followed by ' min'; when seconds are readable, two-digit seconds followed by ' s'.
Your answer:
7 h 58 min
